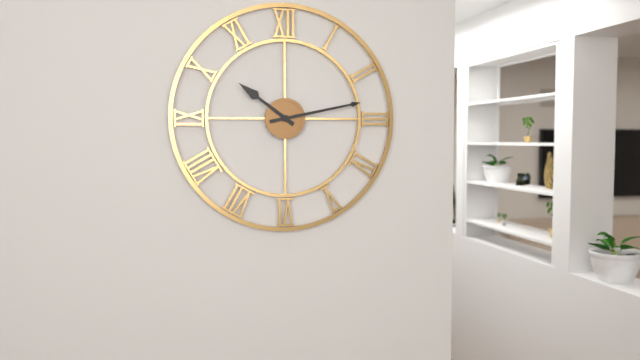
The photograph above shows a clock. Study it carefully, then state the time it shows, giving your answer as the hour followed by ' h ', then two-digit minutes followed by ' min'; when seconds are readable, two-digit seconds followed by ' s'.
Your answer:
10 h 13 min
